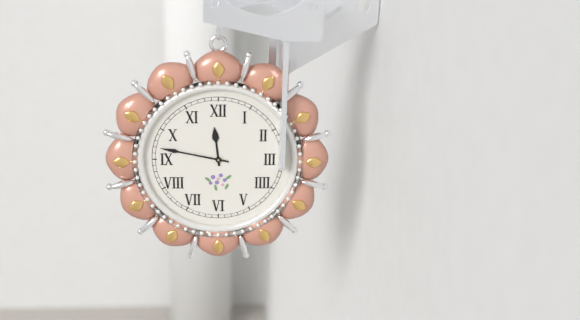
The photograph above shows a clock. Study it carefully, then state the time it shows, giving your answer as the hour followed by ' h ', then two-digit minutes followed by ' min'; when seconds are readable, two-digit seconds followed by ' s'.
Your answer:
11 h 47 min
